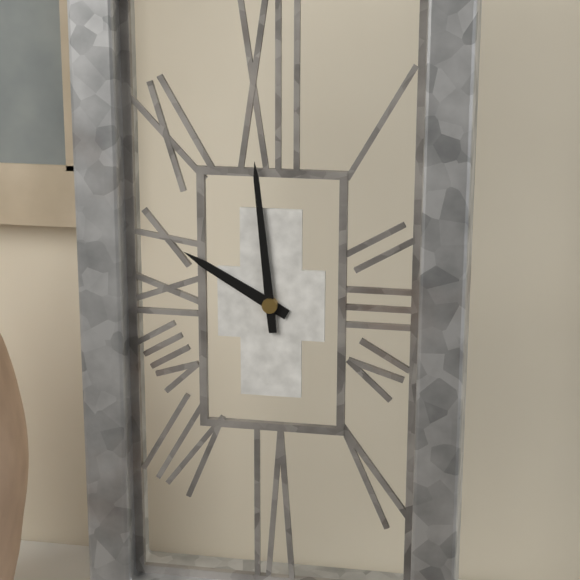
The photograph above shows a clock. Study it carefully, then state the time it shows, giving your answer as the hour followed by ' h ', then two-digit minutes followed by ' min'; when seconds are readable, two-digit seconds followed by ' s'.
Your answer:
9 h 59 min
